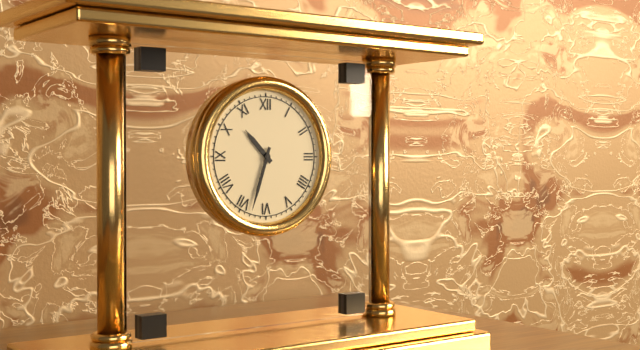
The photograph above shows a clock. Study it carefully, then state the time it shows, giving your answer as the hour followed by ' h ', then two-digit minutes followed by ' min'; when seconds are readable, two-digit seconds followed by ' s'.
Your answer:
10 h 33 min
